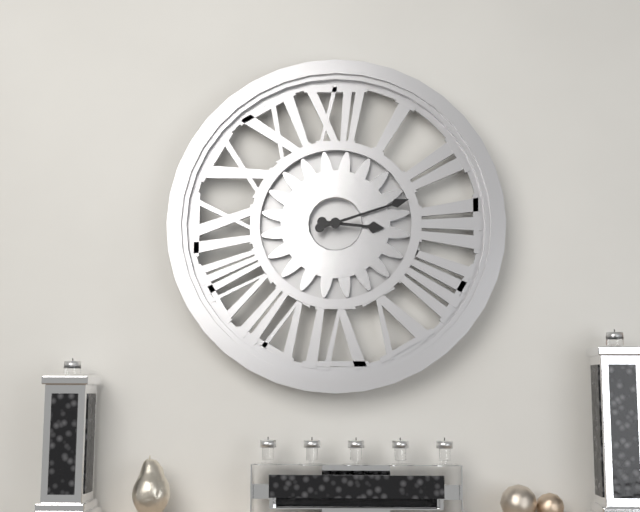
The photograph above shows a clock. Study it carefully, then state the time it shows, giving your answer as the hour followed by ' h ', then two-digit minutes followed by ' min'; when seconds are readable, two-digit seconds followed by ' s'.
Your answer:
3 h 12 min
